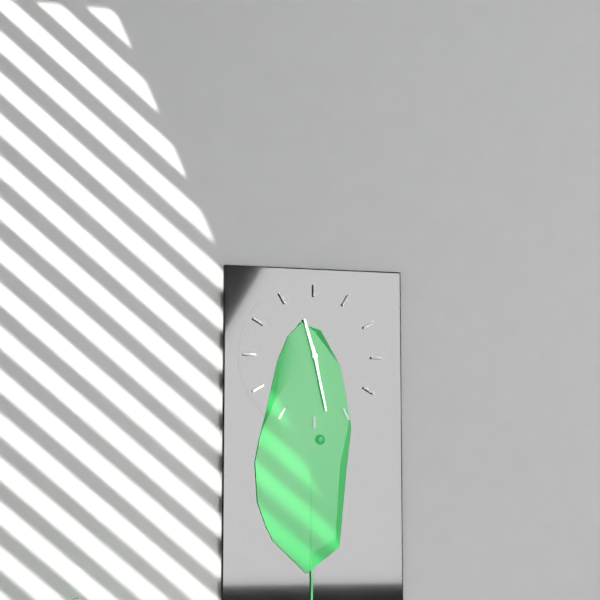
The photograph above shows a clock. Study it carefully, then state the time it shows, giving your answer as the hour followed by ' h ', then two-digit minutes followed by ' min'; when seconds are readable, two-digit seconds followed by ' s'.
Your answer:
11 h 28 min
